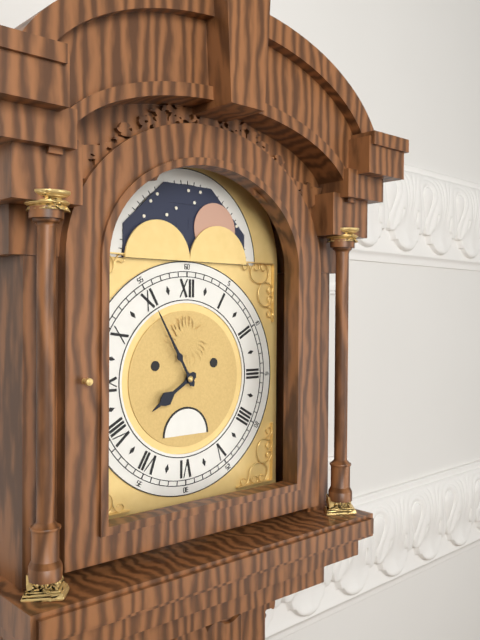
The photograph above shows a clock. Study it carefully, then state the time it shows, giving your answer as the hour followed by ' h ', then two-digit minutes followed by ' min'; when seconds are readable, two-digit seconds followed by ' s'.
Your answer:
7 h 55 min
